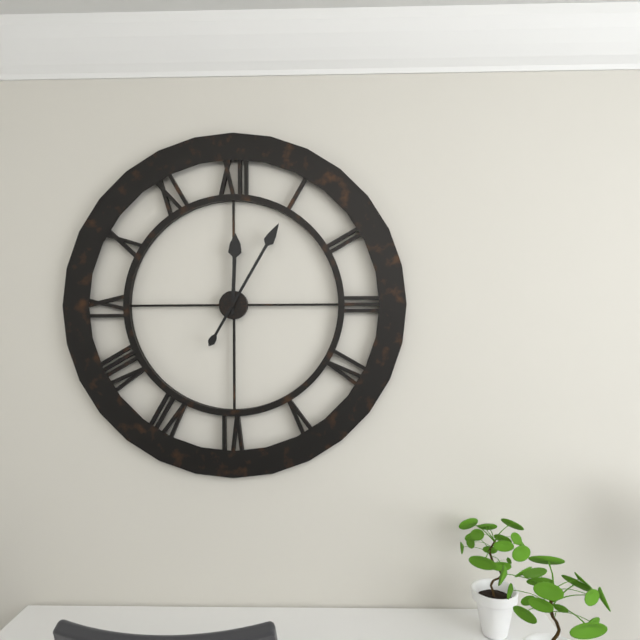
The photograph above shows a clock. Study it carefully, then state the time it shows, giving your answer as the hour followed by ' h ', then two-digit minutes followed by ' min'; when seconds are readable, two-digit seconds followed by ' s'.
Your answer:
12 h 05 min
